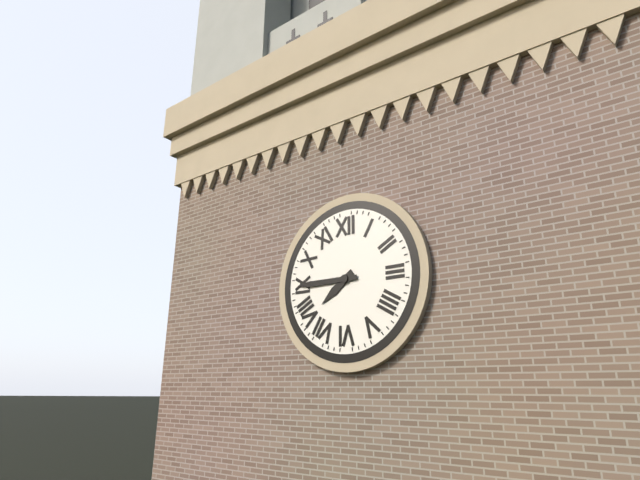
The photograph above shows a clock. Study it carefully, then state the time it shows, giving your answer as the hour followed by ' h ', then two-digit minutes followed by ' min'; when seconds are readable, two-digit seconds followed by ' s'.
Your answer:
7 h 45 min
